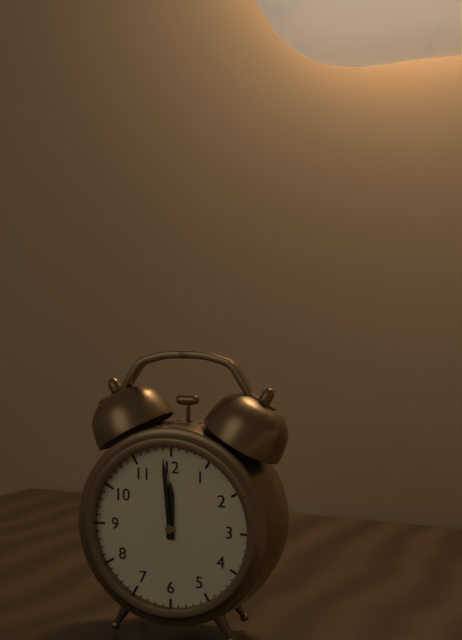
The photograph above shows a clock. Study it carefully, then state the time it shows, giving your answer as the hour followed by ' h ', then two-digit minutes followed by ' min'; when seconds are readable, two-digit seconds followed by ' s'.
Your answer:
11 h 59 min
